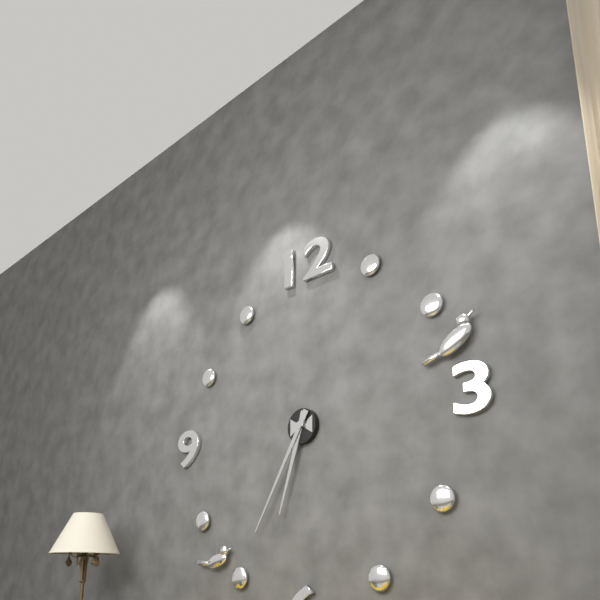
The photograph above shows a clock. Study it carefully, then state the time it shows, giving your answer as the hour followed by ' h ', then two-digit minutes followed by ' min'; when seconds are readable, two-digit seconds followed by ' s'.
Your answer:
6 h 35 min
